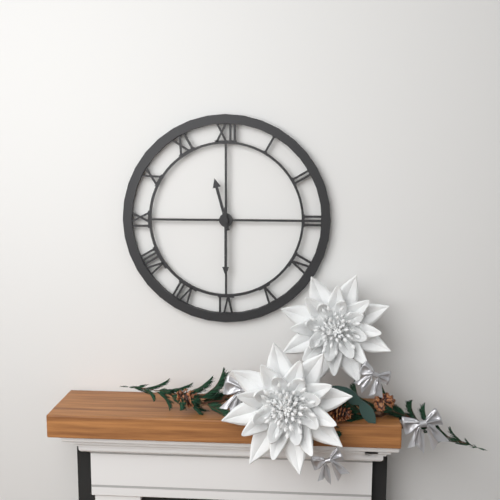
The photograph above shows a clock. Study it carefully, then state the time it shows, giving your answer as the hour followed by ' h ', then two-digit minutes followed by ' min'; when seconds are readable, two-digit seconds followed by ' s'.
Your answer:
11 h 30 min
